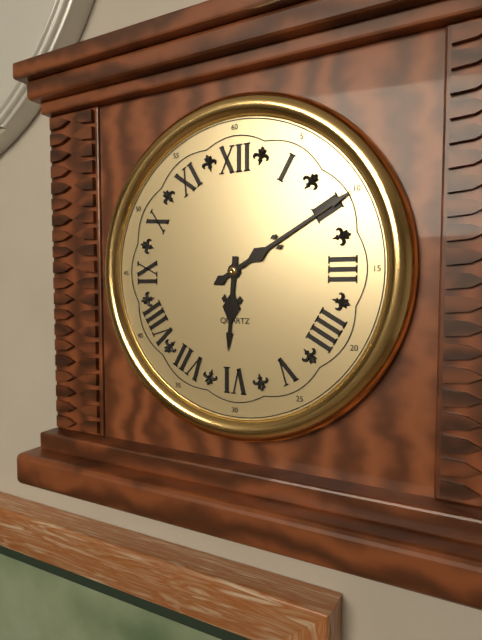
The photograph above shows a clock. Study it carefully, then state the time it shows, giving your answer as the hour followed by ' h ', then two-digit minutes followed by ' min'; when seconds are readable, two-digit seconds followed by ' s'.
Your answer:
6 h 10 min
